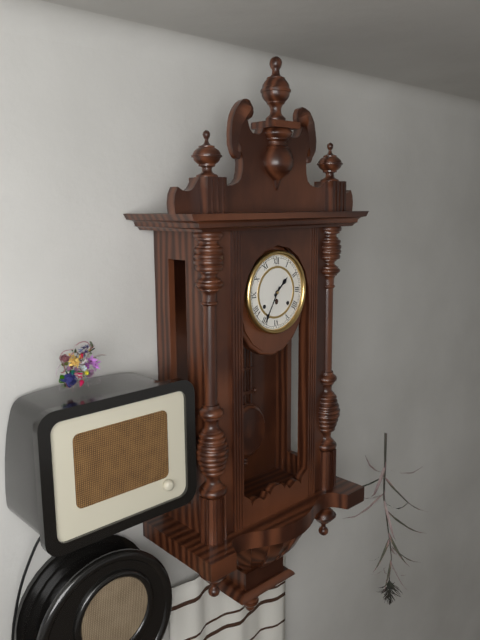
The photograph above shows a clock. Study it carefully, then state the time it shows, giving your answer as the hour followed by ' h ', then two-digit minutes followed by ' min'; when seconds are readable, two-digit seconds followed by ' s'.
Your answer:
1 h 35 min
